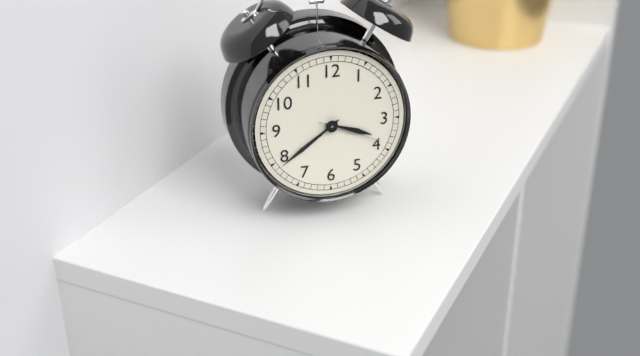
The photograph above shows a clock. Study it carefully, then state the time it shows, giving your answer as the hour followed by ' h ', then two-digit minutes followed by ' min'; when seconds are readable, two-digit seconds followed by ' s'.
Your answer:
3 h 39 min 19 s
